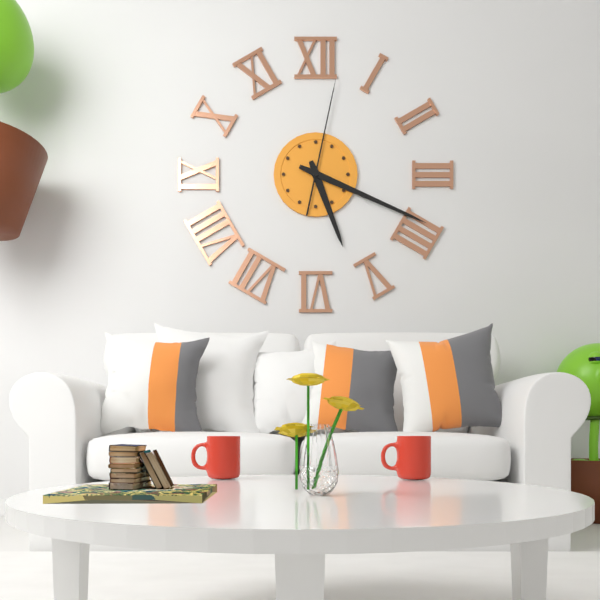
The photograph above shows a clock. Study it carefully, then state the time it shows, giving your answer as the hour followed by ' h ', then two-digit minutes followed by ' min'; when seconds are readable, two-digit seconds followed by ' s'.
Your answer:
5 h 19 min 02 s
